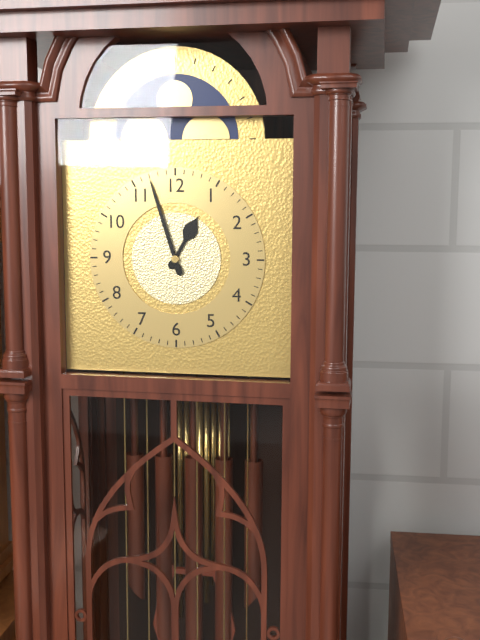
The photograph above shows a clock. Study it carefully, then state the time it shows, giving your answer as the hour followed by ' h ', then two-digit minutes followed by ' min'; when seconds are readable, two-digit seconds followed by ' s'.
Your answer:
12 h 57 min
